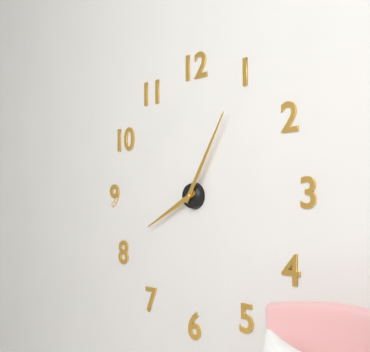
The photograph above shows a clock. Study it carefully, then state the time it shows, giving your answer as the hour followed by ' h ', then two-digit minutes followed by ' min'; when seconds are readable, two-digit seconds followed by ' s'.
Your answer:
8 h 05 min
